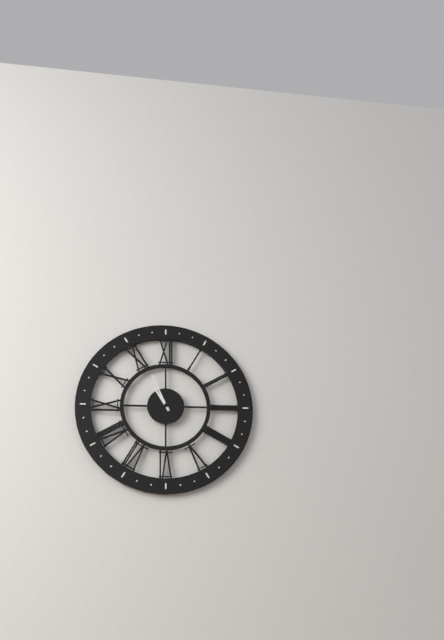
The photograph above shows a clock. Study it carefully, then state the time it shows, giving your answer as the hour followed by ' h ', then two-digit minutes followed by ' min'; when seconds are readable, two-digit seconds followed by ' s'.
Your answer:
10 h 56 min
